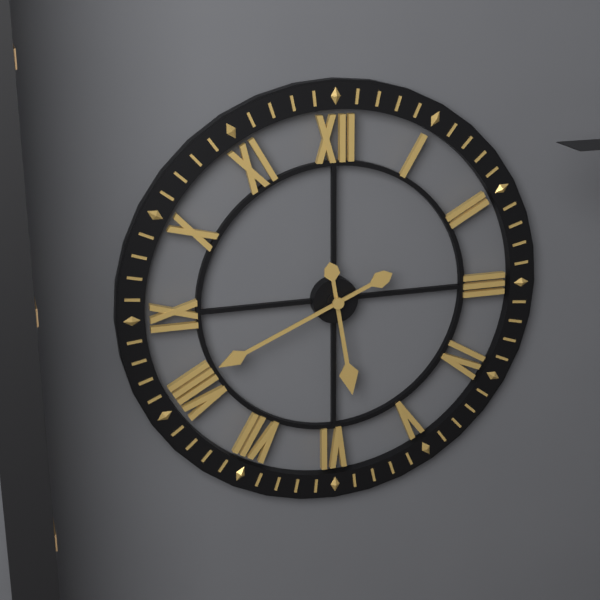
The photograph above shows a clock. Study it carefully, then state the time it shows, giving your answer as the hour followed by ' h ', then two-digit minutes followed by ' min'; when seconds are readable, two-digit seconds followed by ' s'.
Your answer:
5 h 41 min
